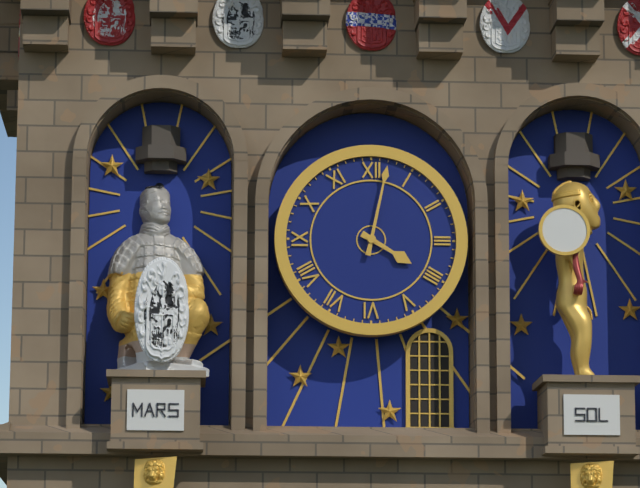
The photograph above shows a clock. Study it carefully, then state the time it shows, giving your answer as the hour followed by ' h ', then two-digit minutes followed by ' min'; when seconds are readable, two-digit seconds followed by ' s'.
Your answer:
4 h 02 min
